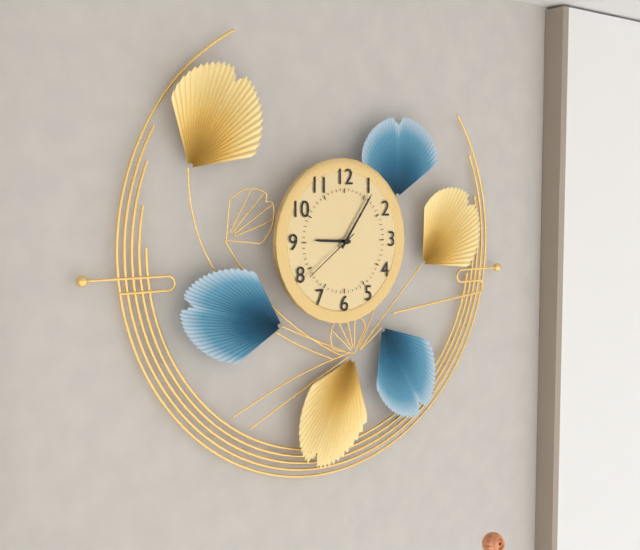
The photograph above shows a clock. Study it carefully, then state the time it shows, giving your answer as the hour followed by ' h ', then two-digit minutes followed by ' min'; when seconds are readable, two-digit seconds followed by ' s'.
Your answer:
9 h 06 min 39 s
